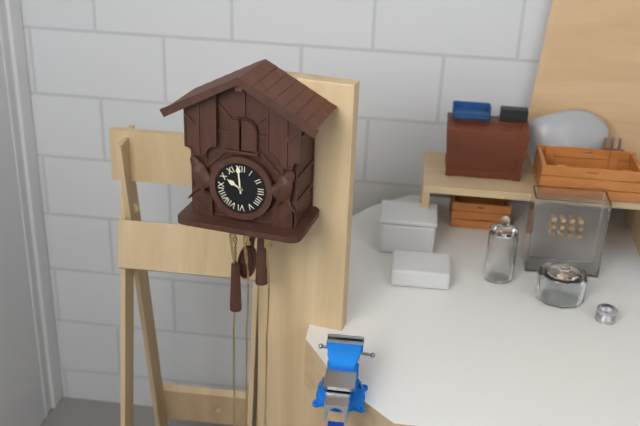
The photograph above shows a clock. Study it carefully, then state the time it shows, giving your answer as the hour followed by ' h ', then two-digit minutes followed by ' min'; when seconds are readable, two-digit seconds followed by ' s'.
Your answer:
9 h 59 min
